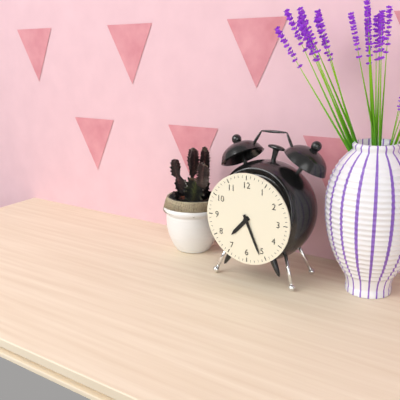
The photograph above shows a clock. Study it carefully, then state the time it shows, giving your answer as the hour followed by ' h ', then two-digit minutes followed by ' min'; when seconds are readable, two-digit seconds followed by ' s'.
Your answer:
7 h 26 min
